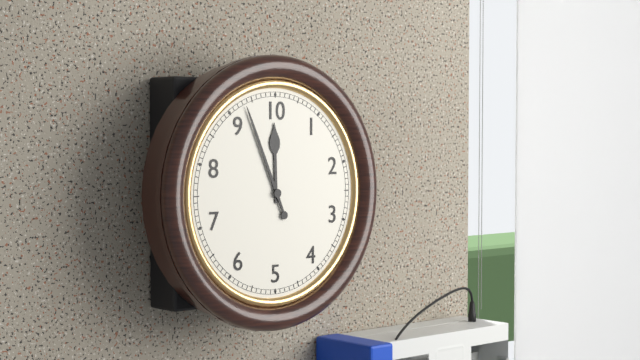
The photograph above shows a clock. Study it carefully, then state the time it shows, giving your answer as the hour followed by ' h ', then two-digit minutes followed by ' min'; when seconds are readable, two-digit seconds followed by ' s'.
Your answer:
11 h 56 min
